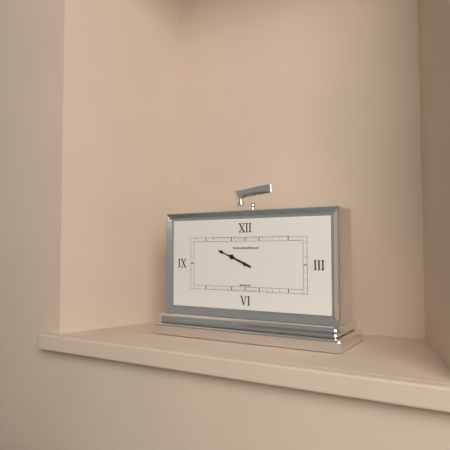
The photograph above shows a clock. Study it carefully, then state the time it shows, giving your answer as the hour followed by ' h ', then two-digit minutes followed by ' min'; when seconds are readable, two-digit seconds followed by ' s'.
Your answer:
9 h 49 min
